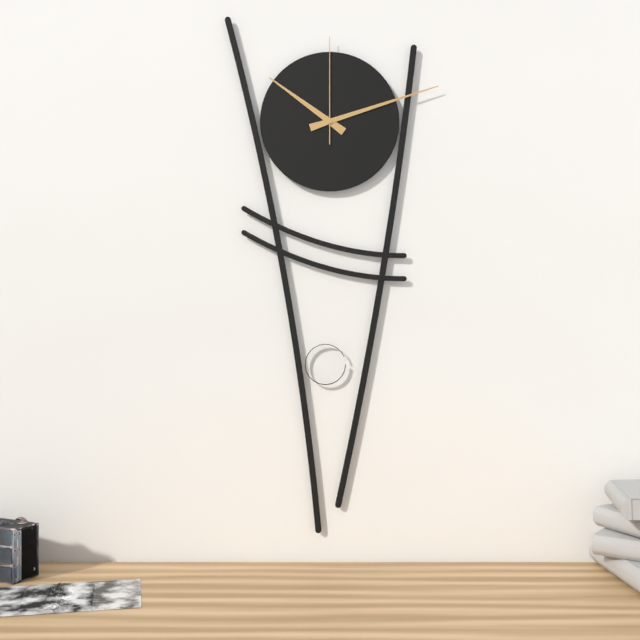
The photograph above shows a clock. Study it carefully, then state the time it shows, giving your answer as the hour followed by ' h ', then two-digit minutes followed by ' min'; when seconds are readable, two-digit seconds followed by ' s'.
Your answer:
10 h 12 min 00 s
